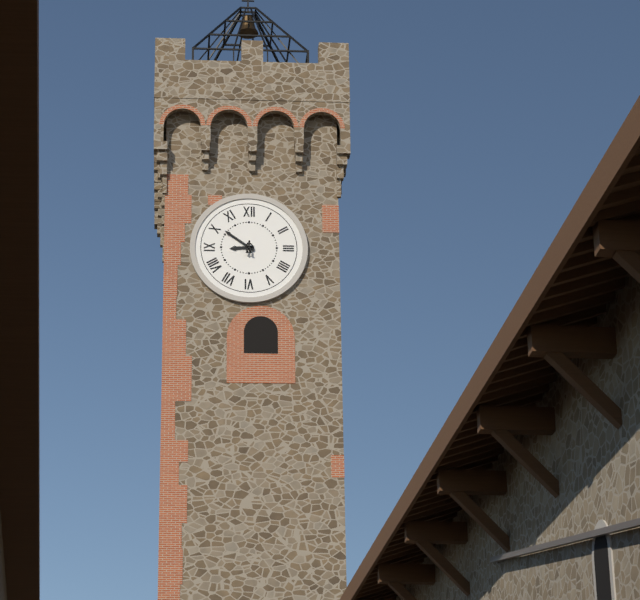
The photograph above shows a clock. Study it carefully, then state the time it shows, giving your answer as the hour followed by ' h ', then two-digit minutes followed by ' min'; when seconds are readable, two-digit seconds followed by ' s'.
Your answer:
8 h 51 min
